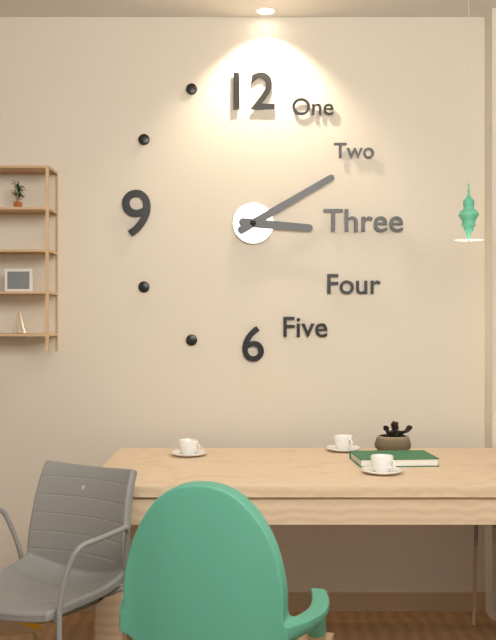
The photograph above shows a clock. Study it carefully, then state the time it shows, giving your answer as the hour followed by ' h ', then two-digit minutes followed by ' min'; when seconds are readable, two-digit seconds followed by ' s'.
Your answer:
3 h 10 min
